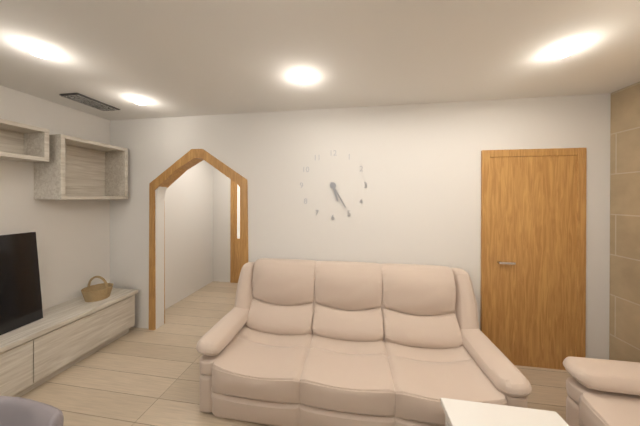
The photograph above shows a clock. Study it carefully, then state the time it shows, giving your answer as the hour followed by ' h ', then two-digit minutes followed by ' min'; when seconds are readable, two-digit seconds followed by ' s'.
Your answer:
5 h 25 min
